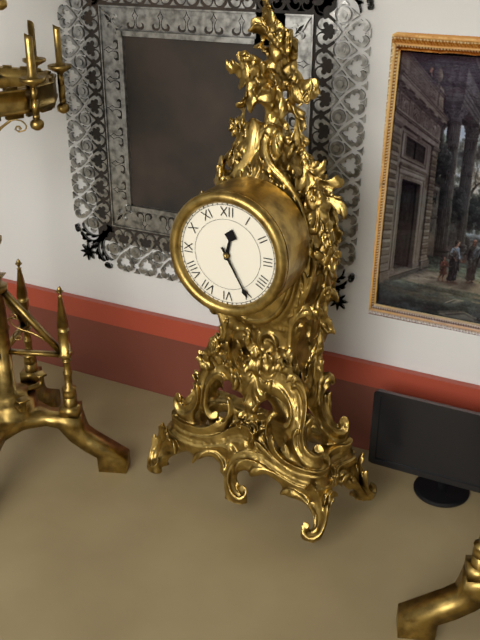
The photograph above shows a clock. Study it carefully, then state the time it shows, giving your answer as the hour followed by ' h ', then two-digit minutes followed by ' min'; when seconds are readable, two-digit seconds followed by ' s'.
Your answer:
12 h 25 min
